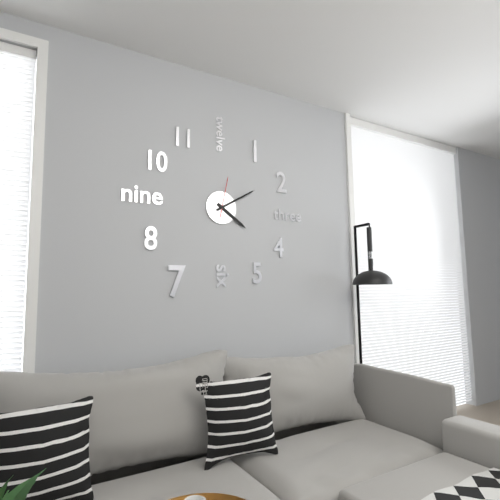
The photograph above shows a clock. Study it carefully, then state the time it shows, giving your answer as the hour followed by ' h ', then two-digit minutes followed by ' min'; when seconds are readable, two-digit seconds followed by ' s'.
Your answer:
4 h 10 min
